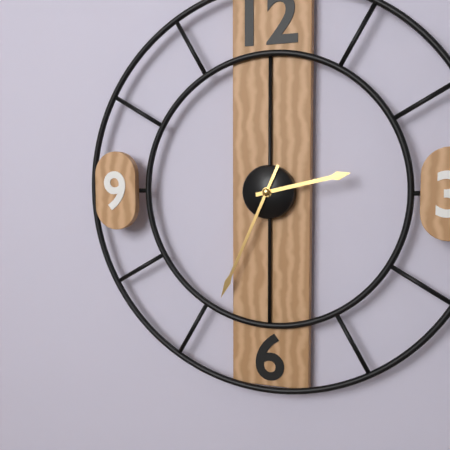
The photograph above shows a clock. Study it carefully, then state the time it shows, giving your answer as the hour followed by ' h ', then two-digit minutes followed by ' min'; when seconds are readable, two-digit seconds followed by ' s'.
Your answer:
2 h 34 min
